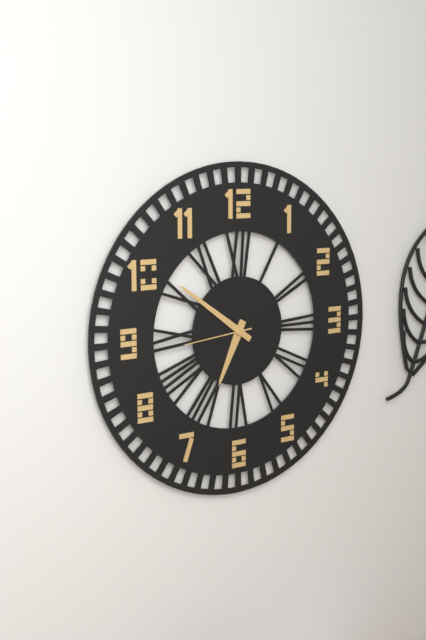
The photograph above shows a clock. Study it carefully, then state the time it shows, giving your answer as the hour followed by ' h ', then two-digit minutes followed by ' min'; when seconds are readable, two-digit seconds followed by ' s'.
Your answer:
6 h 51 min 44 s
